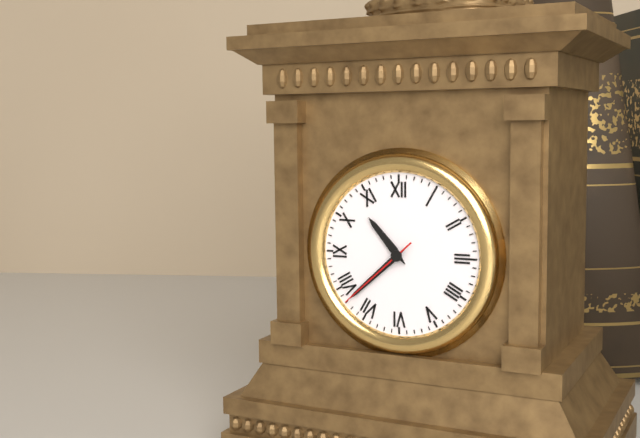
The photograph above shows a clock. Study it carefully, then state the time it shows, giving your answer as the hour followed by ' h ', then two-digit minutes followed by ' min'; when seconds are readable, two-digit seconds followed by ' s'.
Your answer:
10 h 38 min 38 s
